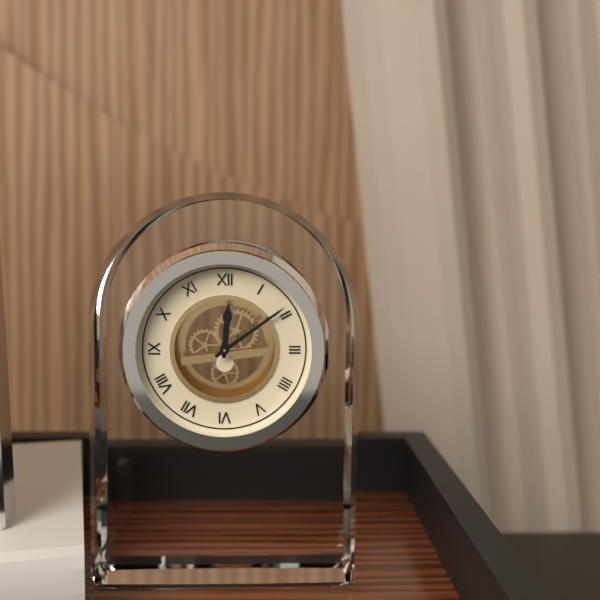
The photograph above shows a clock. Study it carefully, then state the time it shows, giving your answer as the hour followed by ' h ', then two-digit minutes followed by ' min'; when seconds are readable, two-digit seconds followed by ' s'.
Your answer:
12 h 09 min
